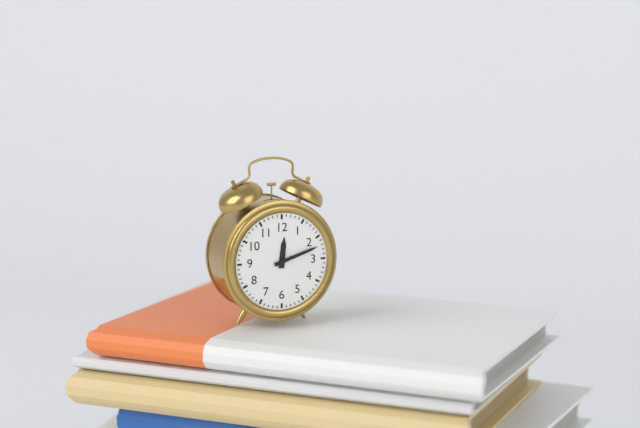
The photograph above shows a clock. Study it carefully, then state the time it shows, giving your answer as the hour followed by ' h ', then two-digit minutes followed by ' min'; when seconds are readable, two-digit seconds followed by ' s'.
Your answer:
12 h 12 min
